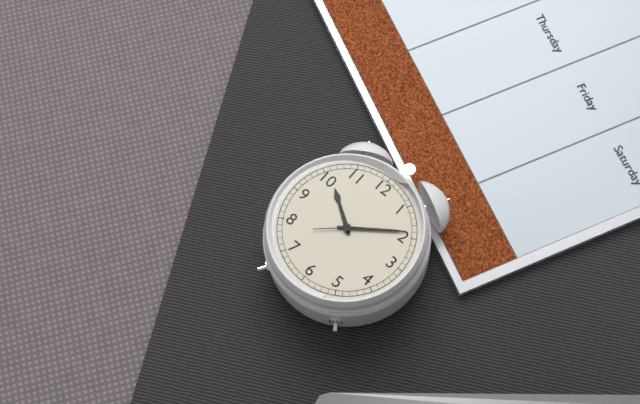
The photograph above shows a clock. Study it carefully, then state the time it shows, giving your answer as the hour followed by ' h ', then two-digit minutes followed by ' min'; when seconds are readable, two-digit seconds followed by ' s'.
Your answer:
10 h 09 min
